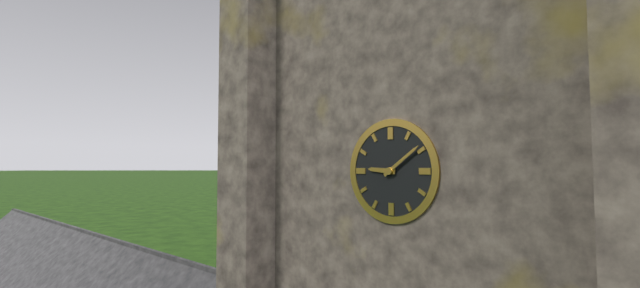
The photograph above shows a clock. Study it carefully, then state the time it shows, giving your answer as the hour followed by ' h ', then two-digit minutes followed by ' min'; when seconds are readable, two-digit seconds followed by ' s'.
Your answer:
9 h 09 min
